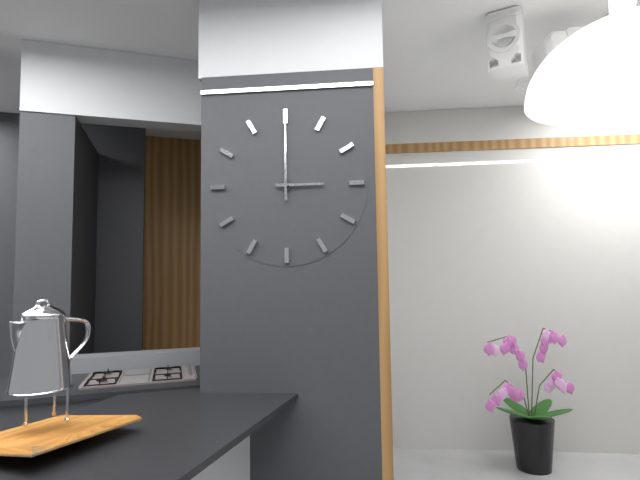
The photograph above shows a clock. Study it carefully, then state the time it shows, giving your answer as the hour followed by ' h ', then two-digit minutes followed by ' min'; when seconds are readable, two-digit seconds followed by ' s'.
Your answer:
3 h 00 min
